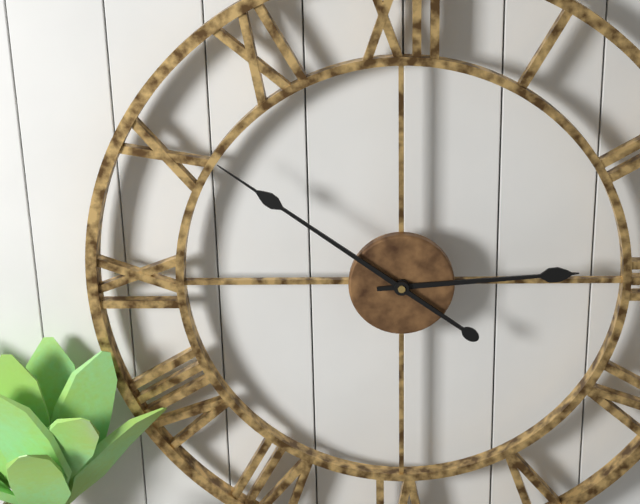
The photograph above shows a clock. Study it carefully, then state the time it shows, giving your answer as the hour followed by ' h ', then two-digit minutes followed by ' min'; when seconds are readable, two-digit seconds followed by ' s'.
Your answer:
2 h 51 min
